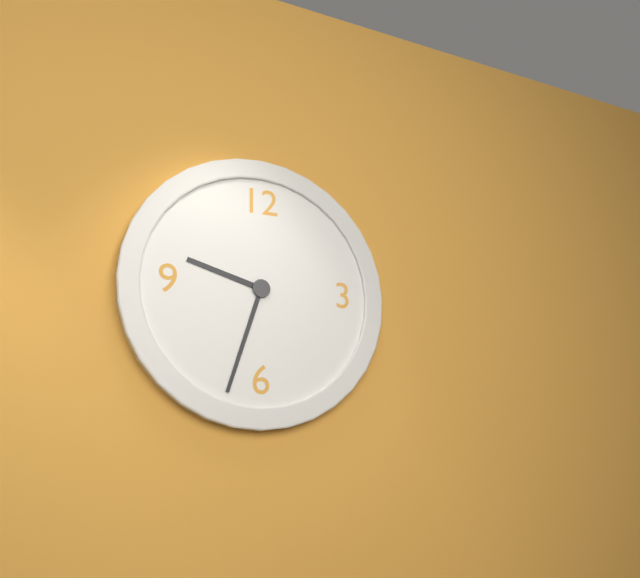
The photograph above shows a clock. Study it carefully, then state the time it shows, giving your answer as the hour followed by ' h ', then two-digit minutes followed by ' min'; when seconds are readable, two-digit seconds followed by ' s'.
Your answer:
9 h 33 min
